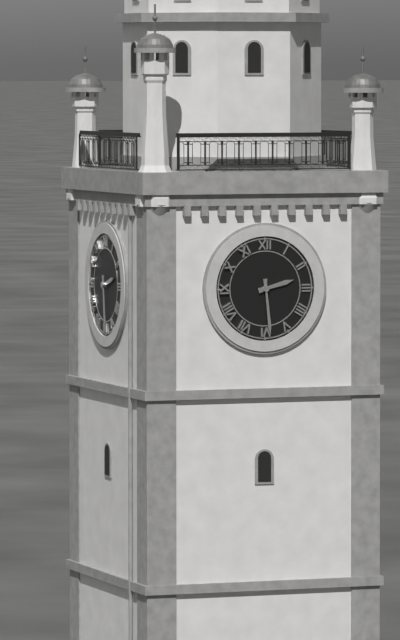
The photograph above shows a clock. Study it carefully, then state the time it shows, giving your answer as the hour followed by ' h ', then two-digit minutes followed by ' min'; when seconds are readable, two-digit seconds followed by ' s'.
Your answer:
2 h 29 min
